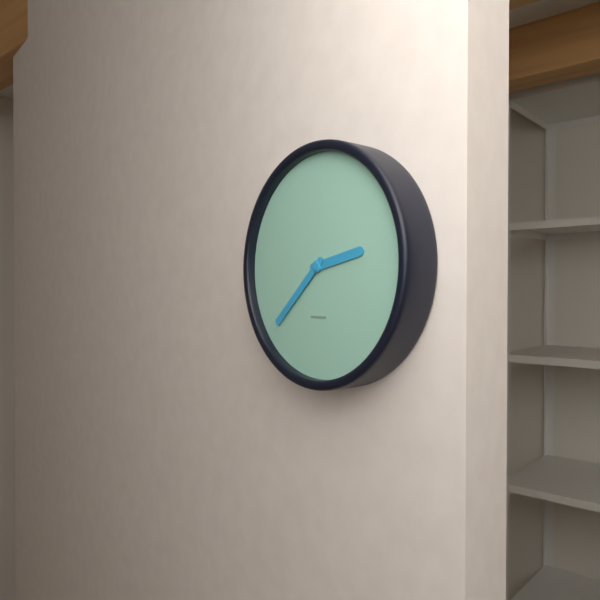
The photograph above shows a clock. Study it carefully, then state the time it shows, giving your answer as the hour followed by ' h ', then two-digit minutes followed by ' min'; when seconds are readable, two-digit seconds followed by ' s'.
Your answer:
2 h 38 min
